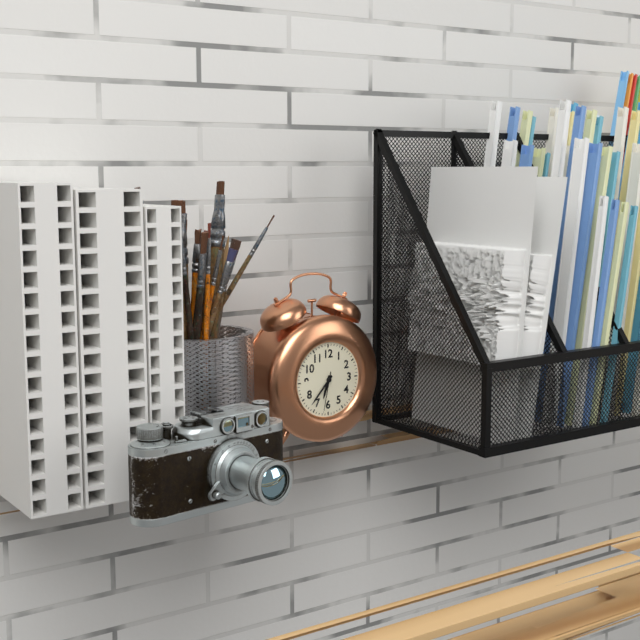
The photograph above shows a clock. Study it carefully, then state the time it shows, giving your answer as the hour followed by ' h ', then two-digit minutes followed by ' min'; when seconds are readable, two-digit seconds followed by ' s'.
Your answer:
6 h 37 min
